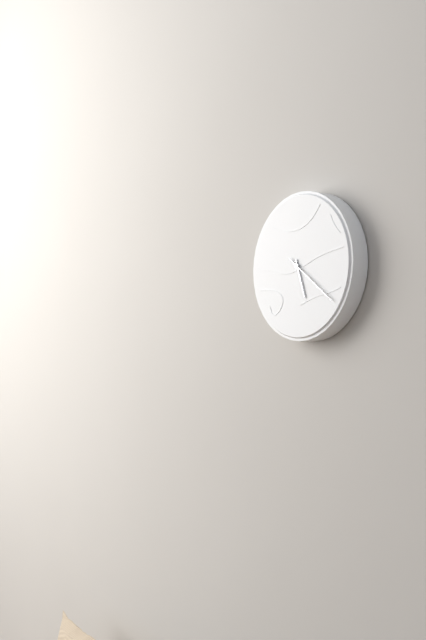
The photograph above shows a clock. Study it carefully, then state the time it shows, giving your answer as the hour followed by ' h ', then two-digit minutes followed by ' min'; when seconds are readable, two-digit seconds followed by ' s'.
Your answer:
5 h 21 min
